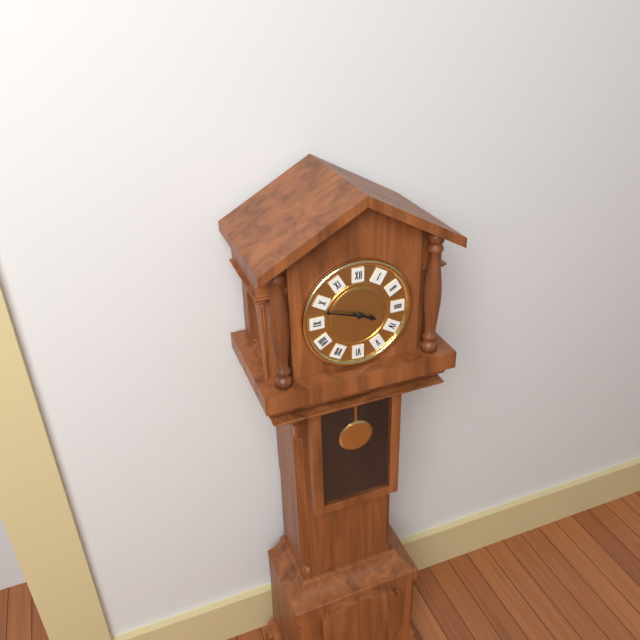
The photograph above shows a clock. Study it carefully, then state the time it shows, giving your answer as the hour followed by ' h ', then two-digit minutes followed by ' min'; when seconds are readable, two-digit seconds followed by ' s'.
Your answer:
3 h 48 min
